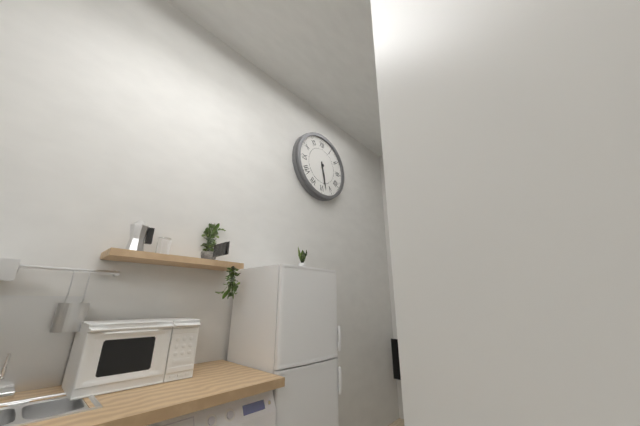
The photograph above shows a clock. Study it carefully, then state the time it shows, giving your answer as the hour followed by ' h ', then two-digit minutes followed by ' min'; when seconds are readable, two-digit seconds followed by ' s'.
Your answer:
5 h 28 min
